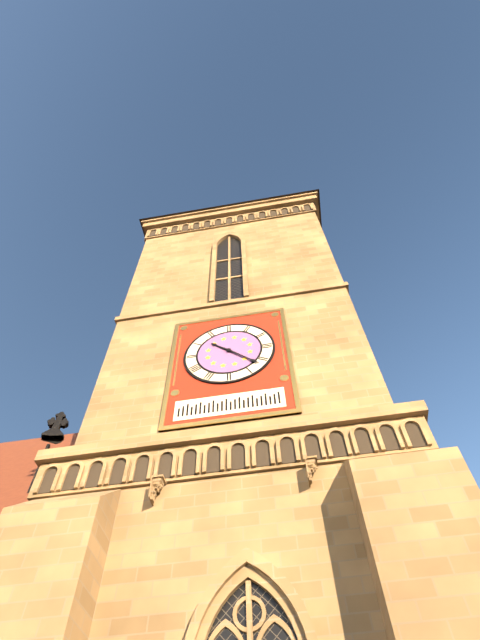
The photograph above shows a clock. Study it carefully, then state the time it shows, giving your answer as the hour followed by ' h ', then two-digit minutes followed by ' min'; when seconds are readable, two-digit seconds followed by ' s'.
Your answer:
10 h 22 min
